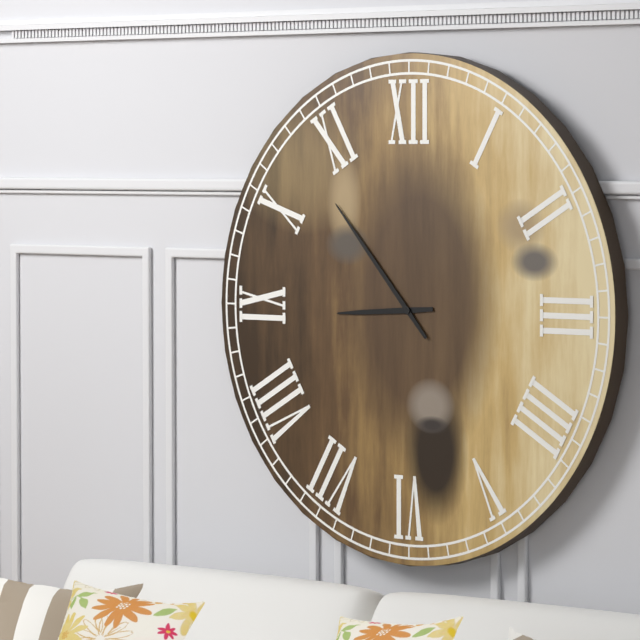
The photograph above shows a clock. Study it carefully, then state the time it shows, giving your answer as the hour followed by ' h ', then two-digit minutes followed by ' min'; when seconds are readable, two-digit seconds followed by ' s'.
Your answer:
8 h 53 min
